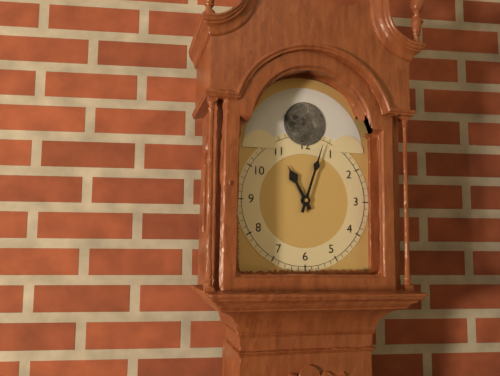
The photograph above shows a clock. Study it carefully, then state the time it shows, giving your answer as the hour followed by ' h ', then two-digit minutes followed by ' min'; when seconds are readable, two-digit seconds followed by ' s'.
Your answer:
11 h 03 min
